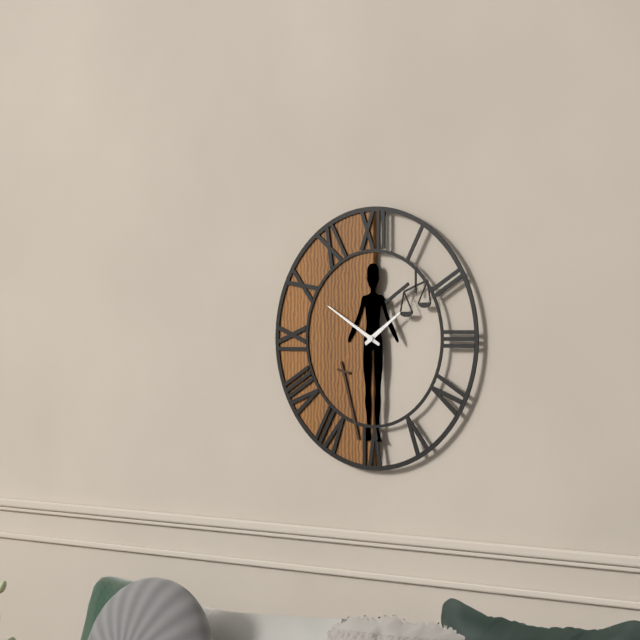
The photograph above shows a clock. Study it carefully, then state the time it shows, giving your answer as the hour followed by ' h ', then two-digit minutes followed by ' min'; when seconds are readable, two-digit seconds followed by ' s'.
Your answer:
1 h 50 min
